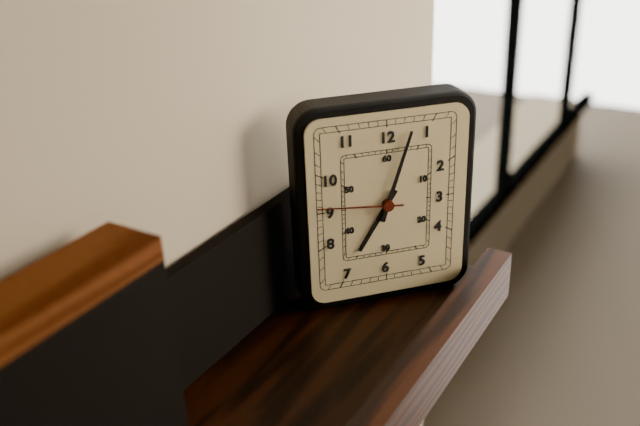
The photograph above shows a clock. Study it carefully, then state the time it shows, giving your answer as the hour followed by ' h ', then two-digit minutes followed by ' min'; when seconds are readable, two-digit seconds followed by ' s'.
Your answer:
7 h 03 min 46 s
